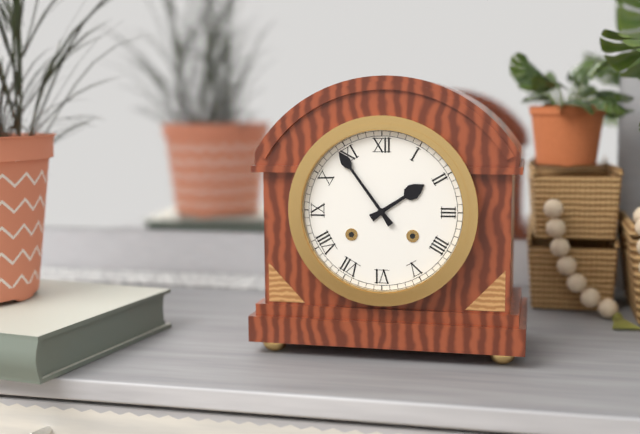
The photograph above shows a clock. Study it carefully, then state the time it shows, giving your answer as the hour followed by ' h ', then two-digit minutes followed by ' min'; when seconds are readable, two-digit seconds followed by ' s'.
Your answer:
1 h 54 min
